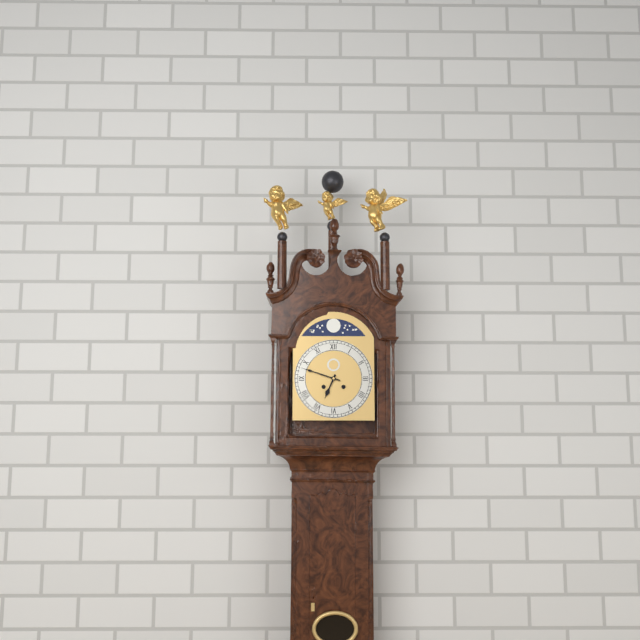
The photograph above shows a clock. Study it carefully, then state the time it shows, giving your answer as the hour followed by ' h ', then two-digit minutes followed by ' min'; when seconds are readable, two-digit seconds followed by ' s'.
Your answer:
6 h 48 min
